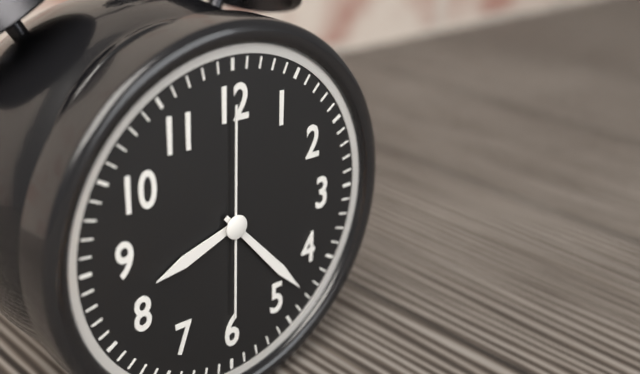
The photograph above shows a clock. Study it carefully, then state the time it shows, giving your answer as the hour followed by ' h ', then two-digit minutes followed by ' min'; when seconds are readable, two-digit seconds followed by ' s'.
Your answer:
8 h 23 min 00 s
